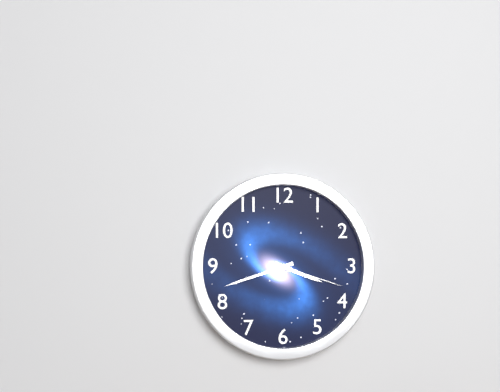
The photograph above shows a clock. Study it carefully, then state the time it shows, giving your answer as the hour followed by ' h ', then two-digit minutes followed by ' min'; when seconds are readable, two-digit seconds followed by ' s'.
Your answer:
3 h 42 min 18 s
